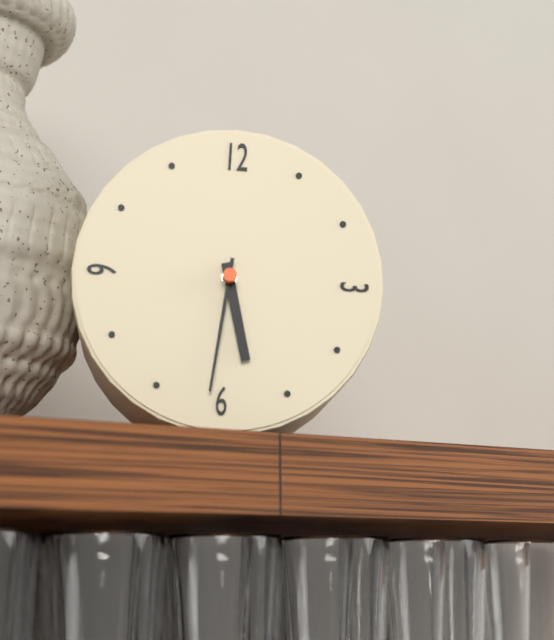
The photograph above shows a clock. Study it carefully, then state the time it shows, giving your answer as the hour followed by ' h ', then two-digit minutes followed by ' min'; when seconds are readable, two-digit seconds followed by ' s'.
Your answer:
5 h 31 min
